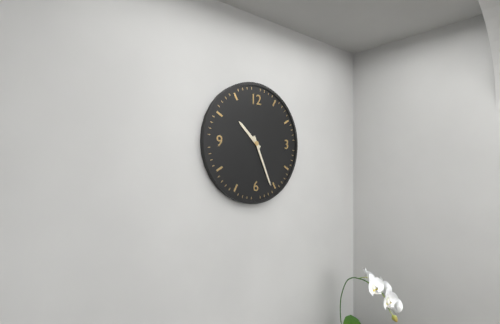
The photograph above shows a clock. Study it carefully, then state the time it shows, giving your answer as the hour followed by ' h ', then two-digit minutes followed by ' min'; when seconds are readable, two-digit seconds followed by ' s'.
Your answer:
10 h 26 min
